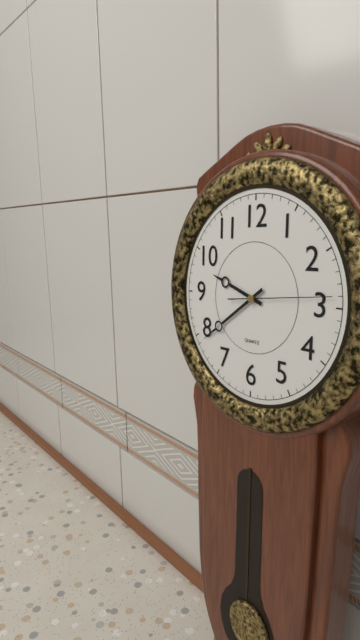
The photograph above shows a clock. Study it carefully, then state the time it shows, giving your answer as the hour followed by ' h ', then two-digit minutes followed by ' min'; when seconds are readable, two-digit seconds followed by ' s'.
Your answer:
9 h 39 min 14 s
